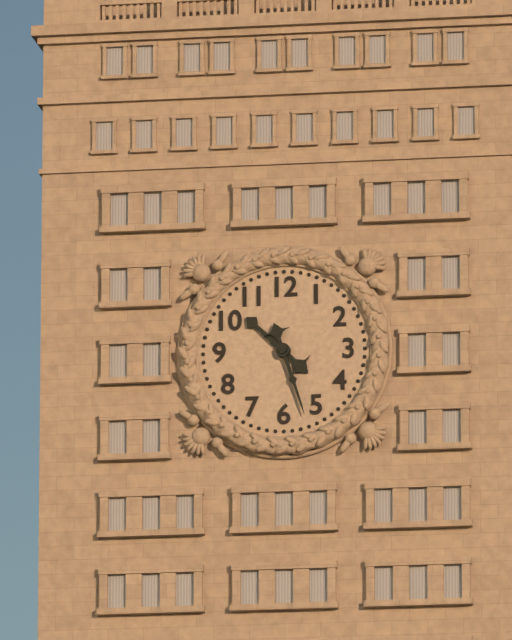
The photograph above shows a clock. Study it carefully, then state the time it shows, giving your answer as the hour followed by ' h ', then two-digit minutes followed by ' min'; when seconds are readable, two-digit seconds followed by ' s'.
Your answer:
10 h 27 min
